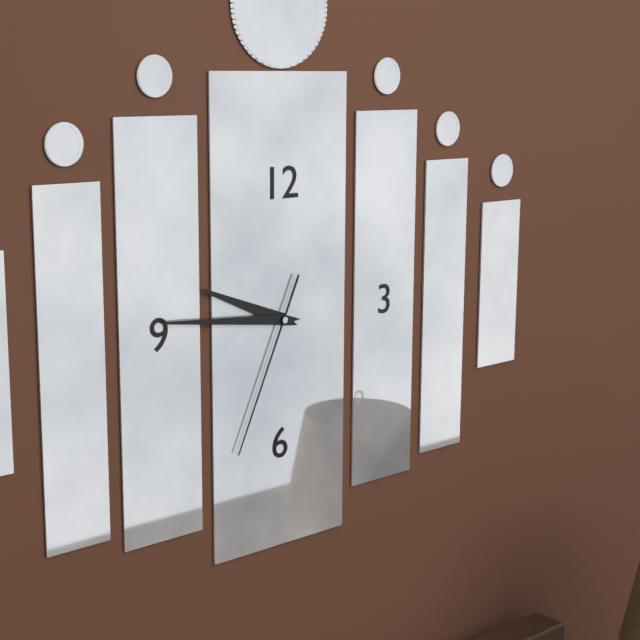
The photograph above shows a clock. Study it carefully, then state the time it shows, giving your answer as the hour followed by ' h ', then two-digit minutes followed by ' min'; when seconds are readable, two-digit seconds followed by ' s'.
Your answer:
9 h 46 min 34 s
